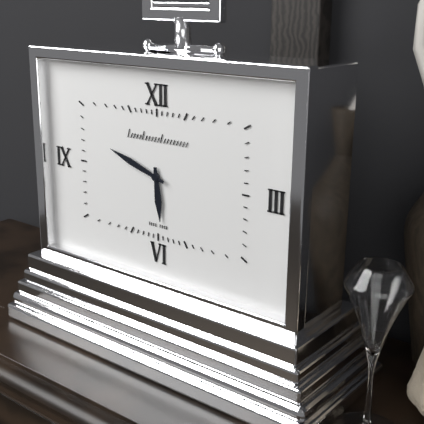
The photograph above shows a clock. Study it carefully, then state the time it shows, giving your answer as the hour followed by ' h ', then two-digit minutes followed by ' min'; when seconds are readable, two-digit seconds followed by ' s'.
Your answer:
5 h 48 min
